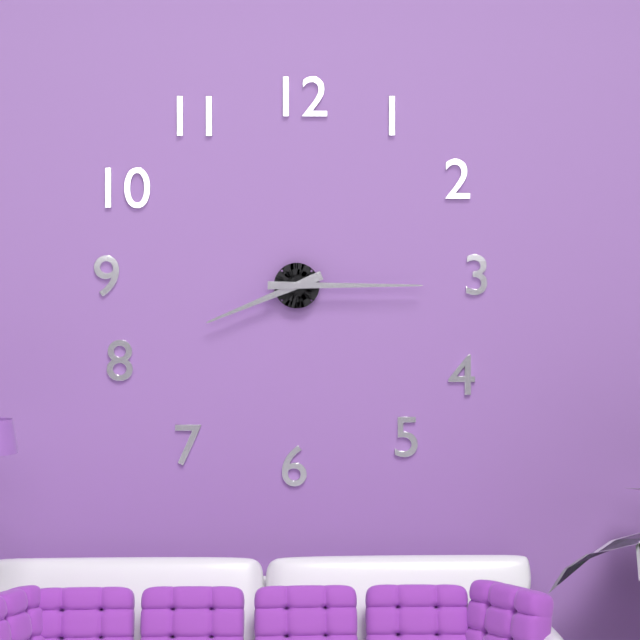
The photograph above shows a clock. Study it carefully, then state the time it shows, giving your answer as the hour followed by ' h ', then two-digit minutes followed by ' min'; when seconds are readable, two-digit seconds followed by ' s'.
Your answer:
8 h 15 min
